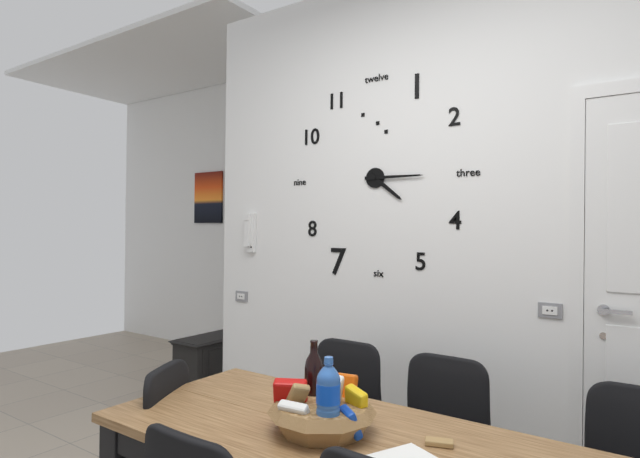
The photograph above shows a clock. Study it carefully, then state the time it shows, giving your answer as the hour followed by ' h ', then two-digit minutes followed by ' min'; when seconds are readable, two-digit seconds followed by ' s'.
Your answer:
4 h 15 min
